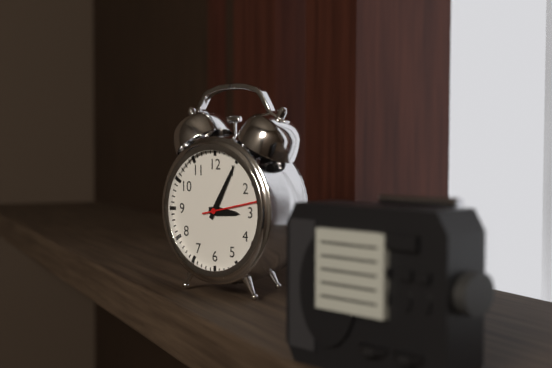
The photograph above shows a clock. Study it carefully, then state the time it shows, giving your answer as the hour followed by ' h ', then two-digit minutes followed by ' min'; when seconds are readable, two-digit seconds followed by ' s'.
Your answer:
3 h 05 min
